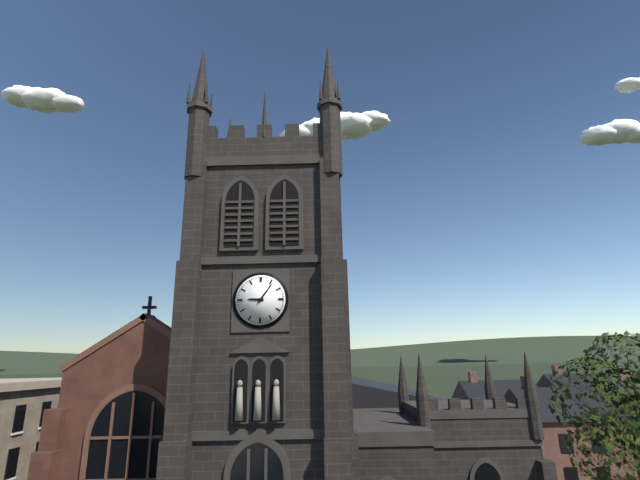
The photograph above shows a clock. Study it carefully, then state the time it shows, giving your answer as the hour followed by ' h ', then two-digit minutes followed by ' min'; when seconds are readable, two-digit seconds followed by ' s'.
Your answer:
9 h 06 min
